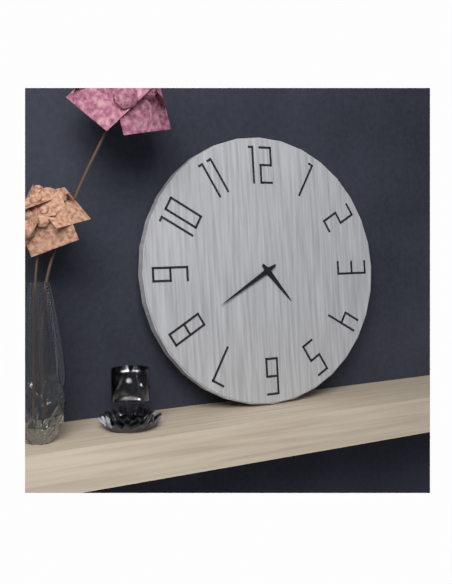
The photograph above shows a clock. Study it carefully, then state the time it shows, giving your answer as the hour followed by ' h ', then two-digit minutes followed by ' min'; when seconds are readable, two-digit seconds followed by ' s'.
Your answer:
4 h 40 min
